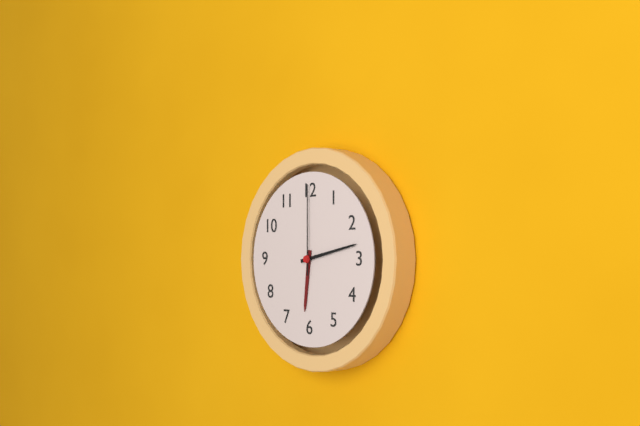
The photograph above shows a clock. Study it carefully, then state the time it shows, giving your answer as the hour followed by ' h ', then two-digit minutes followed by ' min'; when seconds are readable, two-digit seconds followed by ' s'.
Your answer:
6 h 13 min 00 s
